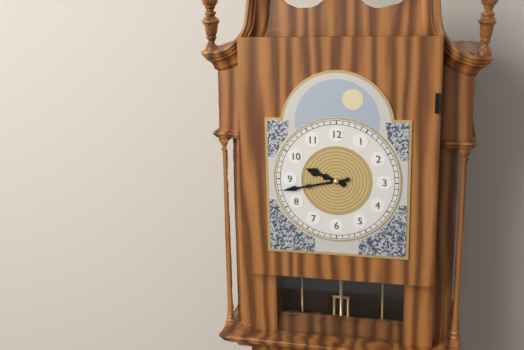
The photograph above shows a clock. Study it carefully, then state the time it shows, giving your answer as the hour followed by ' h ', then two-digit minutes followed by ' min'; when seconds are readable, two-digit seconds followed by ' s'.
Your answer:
9 h 43 min
